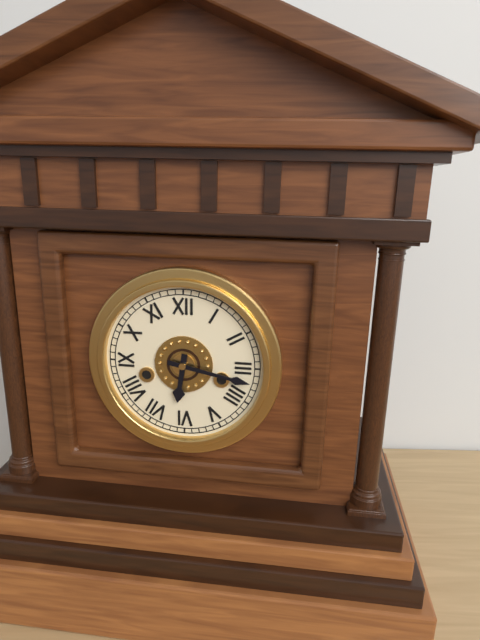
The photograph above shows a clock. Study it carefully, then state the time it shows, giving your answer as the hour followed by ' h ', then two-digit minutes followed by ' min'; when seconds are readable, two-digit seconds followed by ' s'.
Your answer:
6 h 17 min
